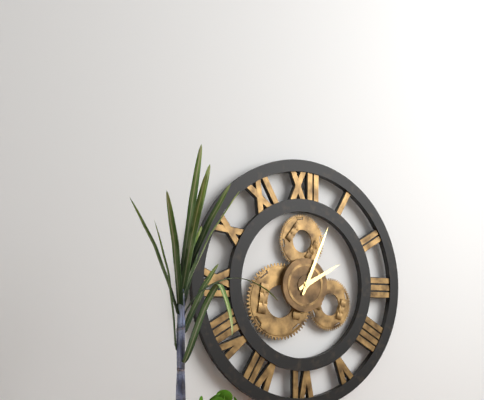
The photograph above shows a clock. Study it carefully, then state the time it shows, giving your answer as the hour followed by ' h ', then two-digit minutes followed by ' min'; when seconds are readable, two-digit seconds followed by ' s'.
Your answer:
2 h 04 min
